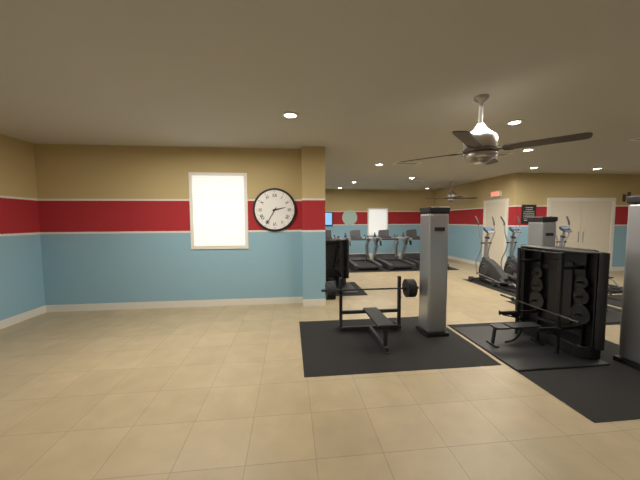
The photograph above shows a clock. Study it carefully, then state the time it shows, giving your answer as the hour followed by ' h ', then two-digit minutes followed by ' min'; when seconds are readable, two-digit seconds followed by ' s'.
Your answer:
2 h 35 min
